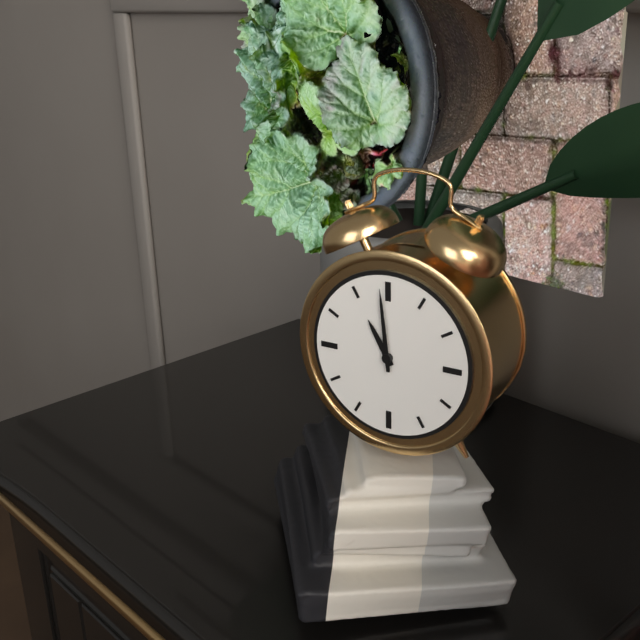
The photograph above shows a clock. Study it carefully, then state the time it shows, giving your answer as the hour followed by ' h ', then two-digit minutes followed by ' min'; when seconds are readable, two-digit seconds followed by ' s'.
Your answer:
10 h 59 min
